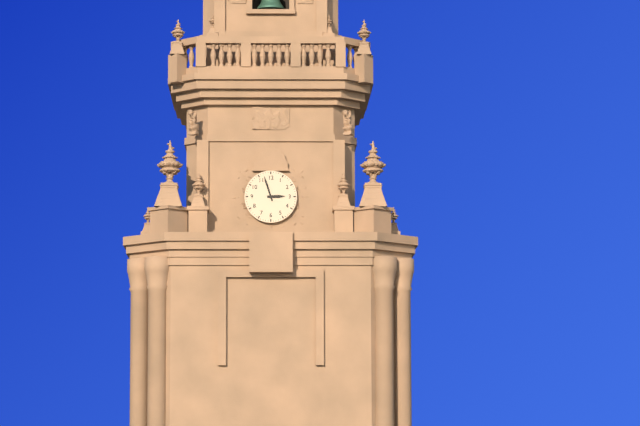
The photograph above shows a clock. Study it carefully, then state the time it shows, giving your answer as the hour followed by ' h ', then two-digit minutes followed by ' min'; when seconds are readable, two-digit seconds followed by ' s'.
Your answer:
2 h 57 min
